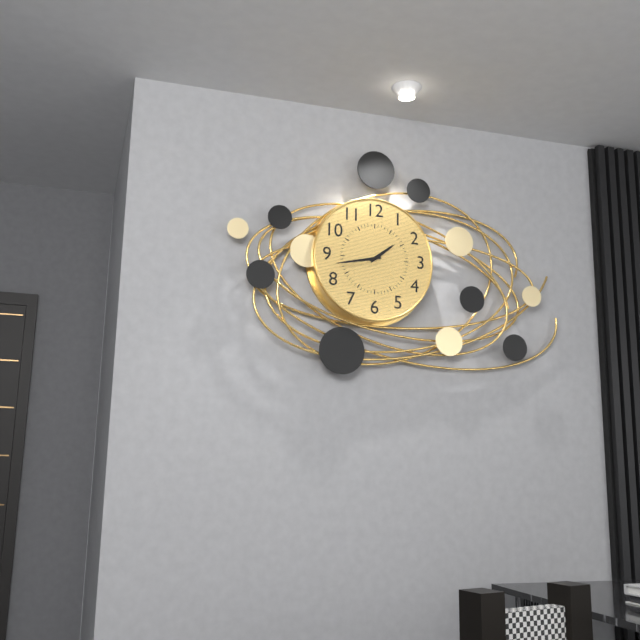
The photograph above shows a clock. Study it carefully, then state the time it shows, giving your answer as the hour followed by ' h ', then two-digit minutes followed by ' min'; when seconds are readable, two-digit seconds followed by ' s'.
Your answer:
1 h 43 min
